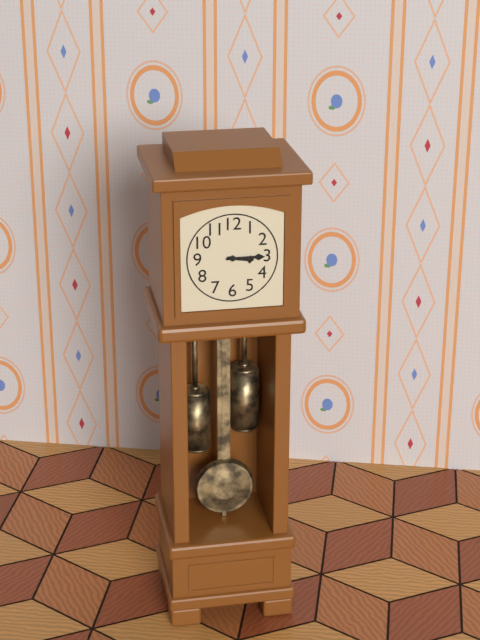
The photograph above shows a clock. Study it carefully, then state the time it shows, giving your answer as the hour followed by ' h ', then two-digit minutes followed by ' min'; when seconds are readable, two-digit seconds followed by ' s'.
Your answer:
3 h 15 min
